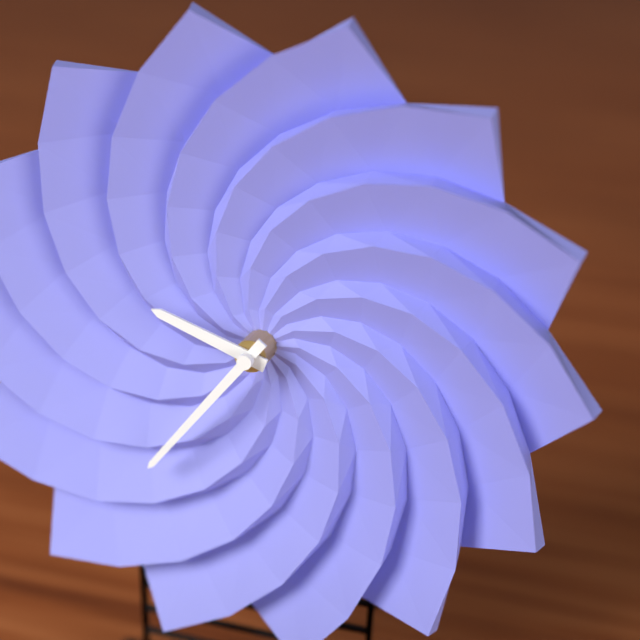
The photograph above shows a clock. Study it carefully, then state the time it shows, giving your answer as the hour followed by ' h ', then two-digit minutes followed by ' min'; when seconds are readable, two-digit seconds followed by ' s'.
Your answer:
9 h 36 min
